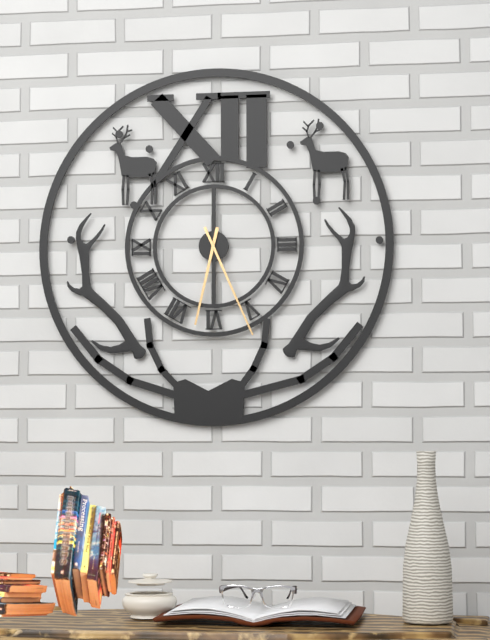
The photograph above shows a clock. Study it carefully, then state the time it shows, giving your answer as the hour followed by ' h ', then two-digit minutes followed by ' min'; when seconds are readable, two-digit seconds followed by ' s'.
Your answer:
6 h 26 min
